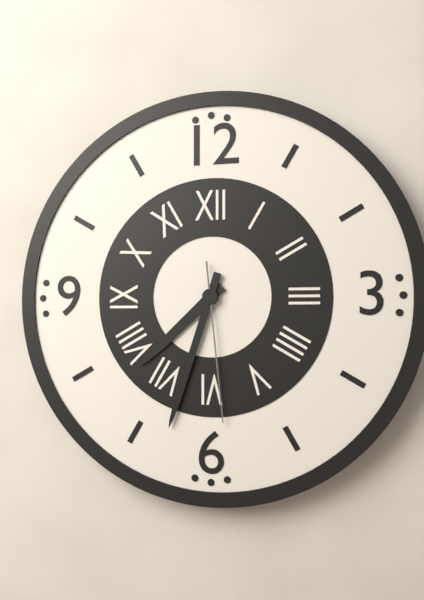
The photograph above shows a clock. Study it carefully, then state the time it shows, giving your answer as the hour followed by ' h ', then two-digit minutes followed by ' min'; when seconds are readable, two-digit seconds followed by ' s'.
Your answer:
7 h 33 min 29 s
